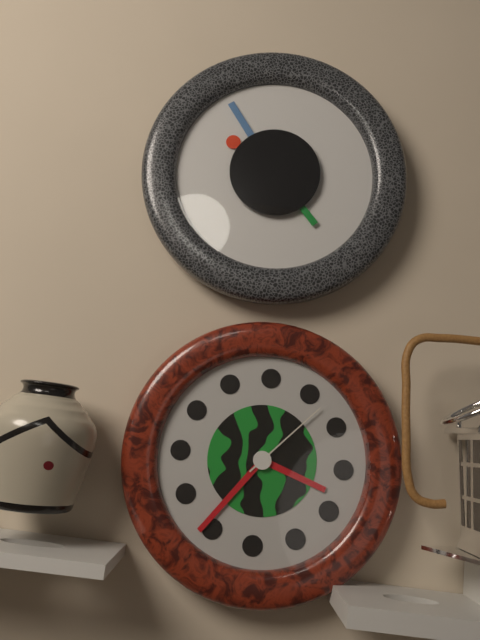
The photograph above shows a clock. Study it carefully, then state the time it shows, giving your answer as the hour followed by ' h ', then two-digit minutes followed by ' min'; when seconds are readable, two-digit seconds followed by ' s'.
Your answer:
3 h 36 min 07 s
